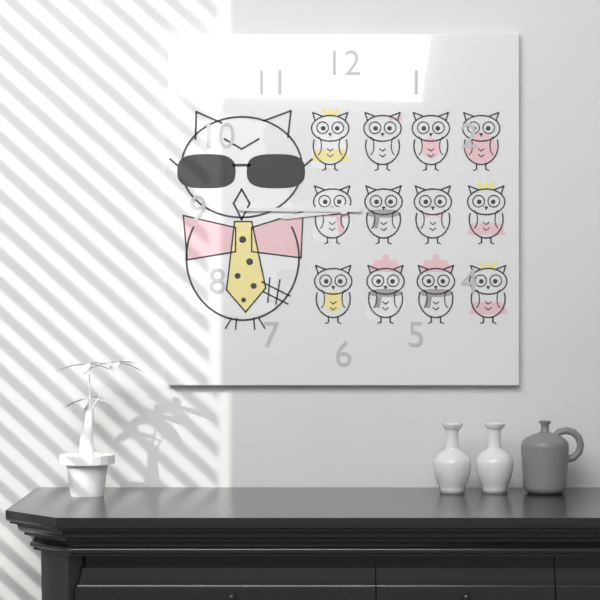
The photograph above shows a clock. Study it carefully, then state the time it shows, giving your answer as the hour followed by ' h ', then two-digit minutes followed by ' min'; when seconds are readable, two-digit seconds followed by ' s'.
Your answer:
8 h 45 min
